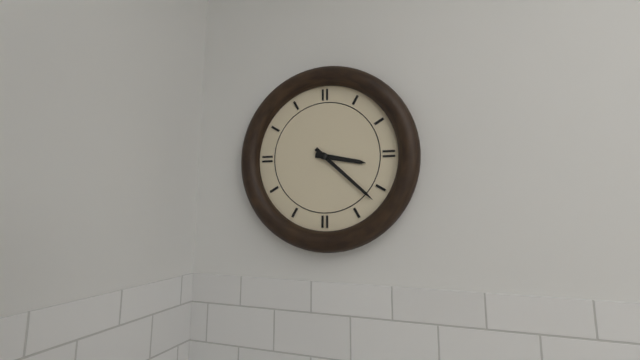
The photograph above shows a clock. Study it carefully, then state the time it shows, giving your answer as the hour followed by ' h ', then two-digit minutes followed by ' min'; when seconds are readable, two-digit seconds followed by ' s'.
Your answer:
3 h 22 min
